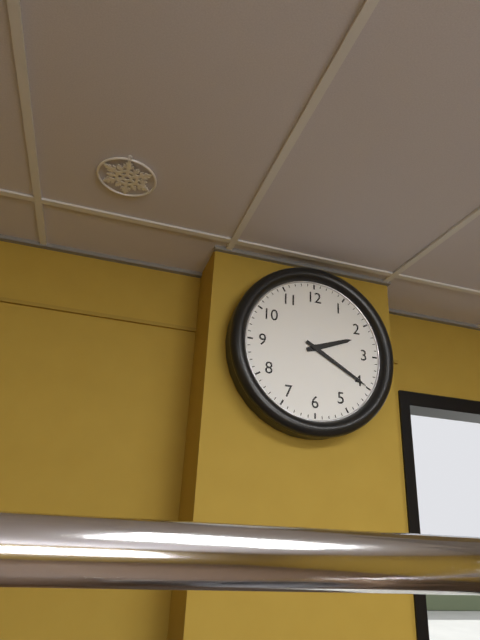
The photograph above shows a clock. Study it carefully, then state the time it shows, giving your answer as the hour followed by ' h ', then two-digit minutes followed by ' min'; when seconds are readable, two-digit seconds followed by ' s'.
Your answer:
2 h 20 min
